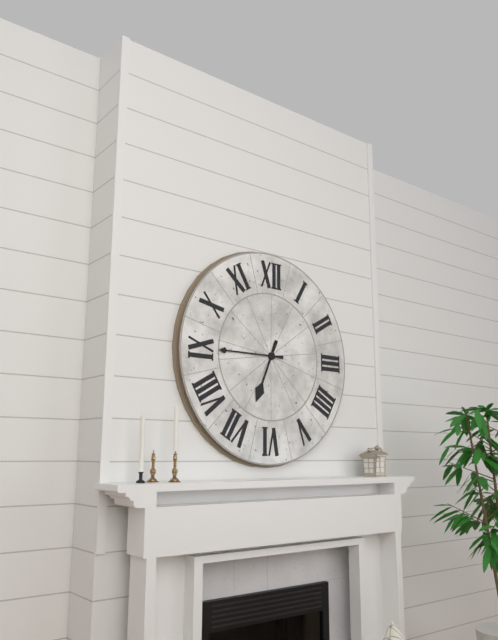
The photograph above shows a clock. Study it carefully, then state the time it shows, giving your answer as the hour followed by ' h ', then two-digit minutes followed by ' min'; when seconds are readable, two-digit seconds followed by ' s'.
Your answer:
6 h 45 min
